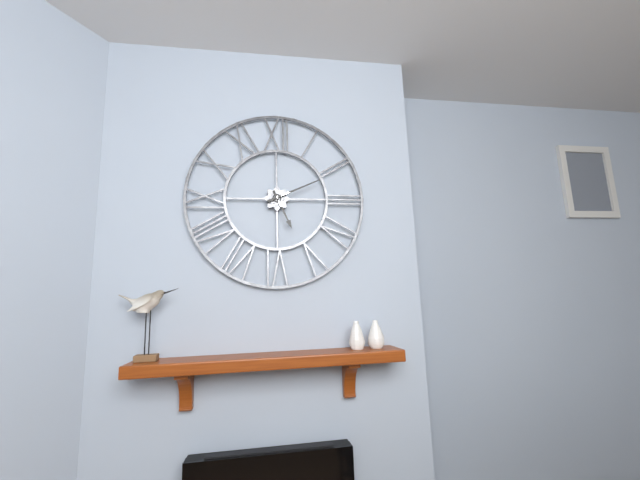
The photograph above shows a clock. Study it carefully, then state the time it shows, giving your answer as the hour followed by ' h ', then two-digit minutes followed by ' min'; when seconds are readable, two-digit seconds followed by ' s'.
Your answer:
5 h 11 min
